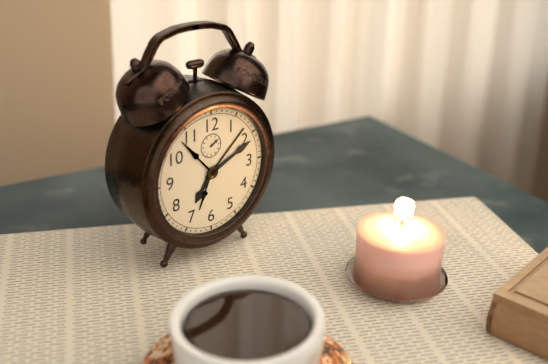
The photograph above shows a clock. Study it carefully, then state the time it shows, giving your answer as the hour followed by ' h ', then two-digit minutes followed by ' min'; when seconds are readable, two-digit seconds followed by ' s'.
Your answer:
7 h 11 min
